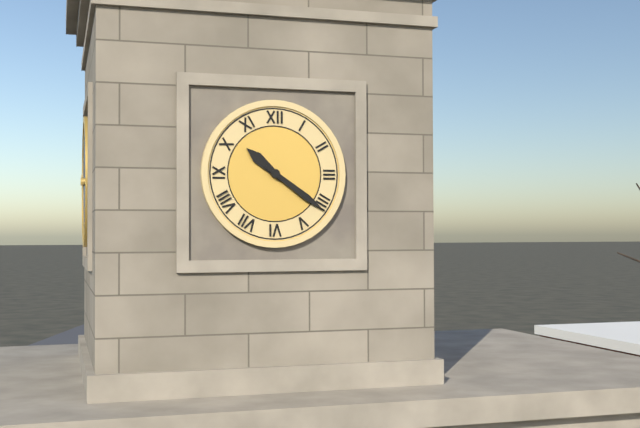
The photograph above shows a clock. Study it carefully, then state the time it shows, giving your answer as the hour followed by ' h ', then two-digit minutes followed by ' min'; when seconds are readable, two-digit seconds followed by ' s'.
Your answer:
10 h 21 min
